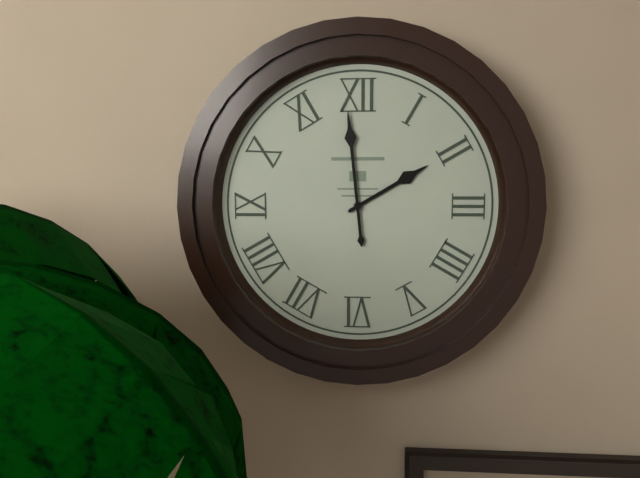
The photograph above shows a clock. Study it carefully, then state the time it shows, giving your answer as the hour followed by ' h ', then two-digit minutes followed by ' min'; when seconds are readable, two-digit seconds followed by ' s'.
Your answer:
1 h 59 min
